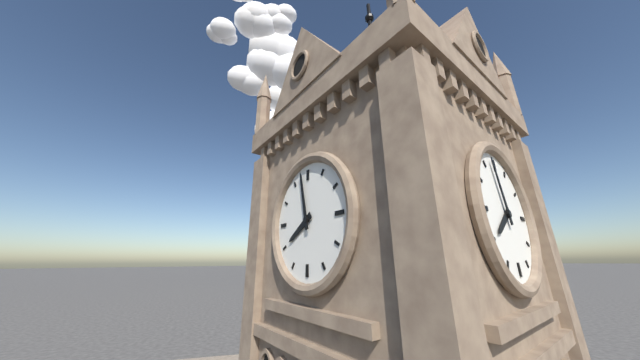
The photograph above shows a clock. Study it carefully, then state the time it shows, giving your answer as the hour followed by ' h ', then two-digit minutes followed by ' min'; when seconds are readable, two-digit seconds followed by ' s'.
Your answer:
7 h 58 min
